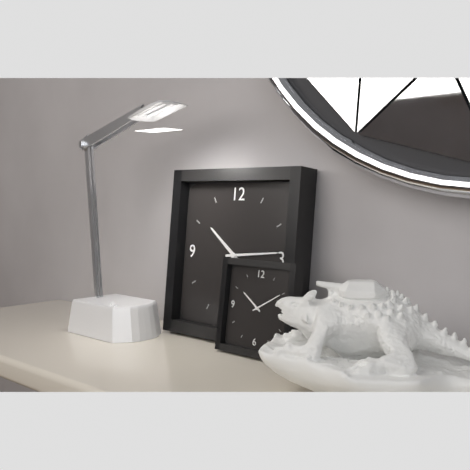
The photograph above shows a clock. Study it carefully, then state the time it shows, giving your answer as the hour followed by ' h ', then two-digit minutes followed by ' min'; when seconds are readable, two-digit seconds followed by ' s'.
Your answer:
10 h 14 min
